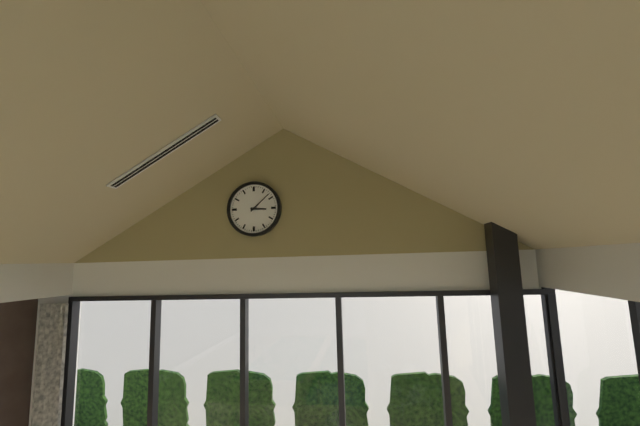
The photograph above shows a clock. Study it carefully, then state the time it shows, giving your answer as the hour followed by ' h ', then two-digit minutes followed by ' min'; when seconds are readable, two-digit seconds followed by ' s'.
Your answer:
3 h 08 min
